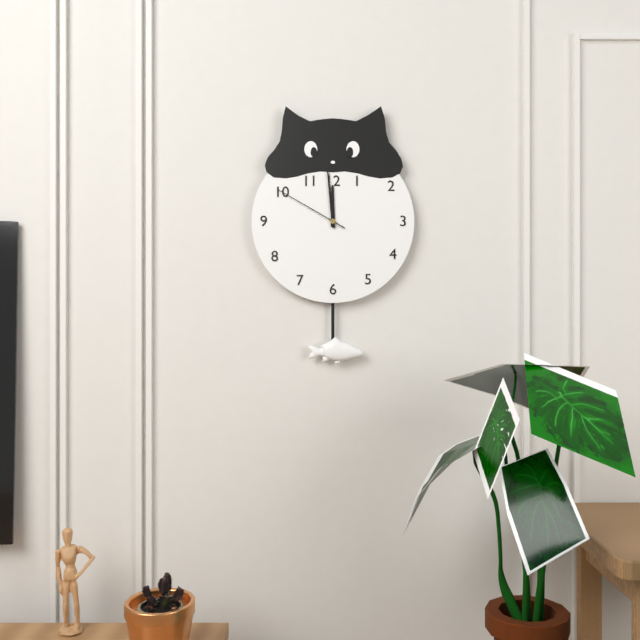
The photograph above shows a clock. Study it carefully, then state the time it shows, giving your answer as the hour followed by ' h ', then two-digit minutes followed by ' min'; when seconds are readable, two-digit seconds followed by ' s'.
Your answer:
11 h 59 min 50 s
